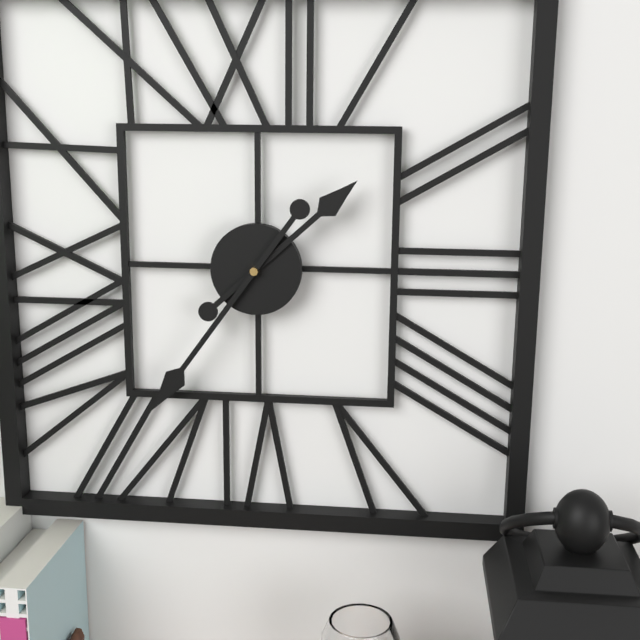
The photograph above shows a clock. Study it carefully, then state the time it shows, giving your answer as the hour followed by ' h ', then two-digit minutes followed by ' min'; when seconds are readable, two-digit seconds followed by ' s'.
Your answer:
1 h 36 min
